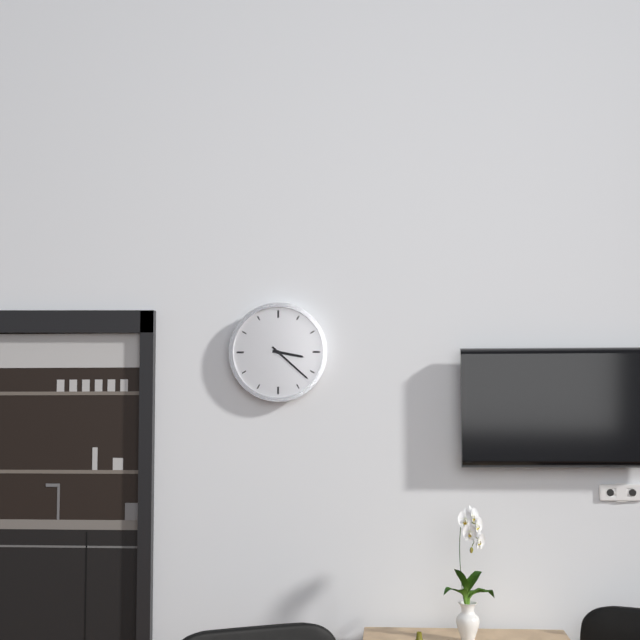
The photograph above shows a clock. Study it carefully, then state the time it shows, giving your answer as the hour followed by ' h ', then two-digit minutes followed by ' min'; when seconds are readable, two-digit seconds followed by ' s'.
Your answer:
3 h 22 min
